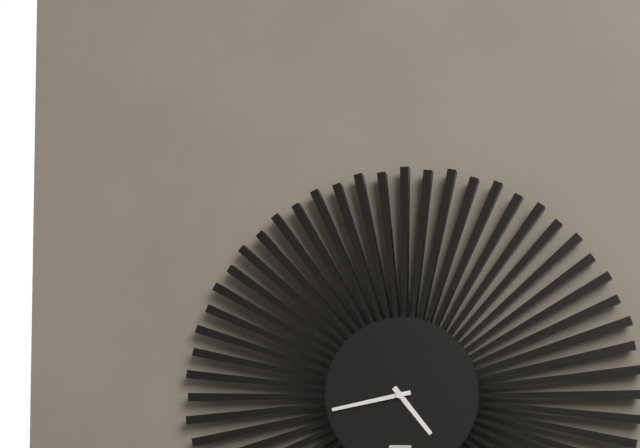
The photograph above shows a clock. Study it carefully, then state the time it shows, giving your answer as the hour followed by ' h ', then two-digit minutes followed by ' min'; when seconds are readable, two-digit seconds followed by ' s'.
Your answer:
4 h 43 min
